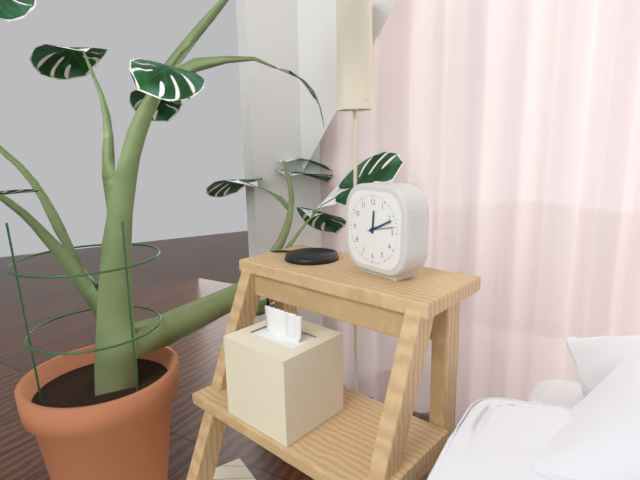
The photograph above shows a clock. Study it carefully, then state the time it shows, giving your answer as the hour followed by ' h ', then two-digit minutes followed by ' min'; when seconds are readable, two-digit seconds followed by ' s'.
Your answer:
12 h 11 min
